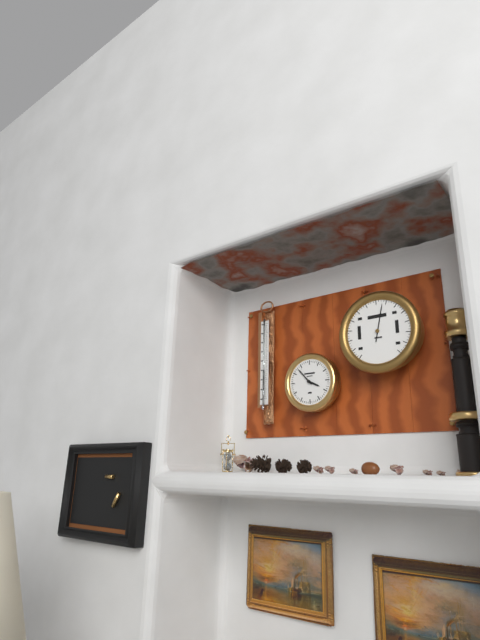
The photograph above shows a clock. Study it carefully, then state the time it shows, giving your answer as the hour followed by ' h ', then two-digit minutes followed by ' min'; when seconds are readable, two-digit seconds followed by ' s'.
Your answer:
3 h 53 min
